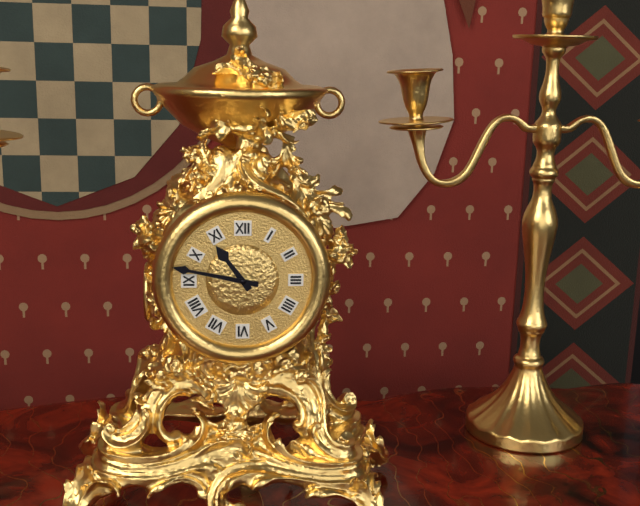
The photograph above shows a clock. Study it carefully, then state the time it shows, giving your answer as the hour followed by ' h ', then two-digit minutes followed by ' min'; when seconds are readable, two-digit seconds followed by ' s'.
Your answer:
10 h 47 min
